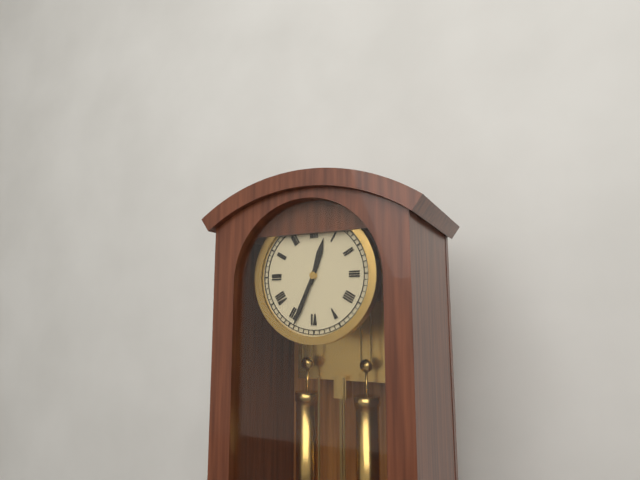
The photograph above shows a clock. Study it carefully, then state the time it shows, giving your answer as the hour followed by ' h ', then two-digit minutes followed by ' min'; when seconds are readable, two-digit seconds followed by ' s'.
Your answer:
12 h 34 min
